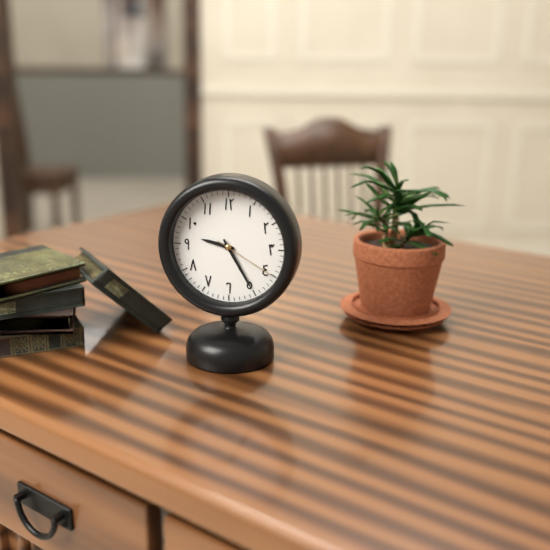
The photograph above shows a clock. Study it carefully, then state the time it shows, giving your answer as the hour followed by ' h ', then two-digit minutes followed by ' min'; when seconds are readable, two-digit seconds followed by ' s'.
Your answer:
9 h 25 min 20 s
